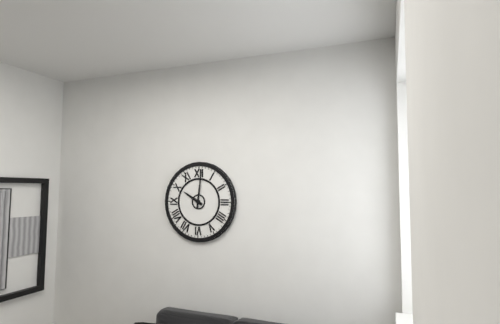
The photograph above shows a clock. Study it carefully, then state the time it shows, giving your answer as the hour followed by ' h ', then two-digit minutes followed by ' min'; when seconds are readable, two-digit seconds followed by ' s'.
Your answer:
10 h 01 min
